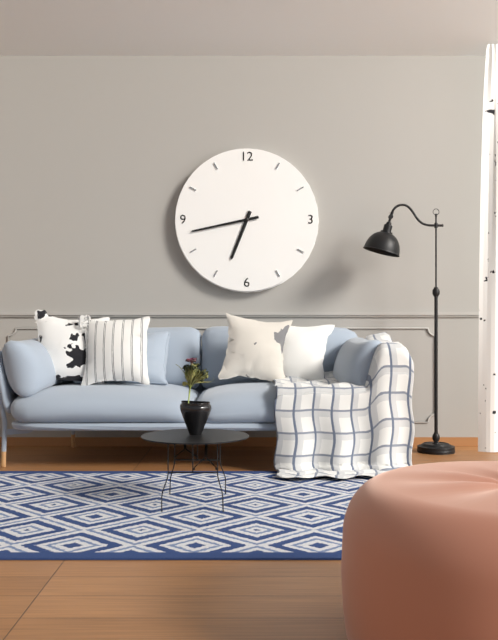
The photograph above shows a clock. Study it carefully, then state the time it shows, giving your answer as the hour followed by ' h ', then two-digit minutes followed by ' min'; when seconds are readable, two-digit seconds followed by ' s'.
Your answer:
6 h 43 min
